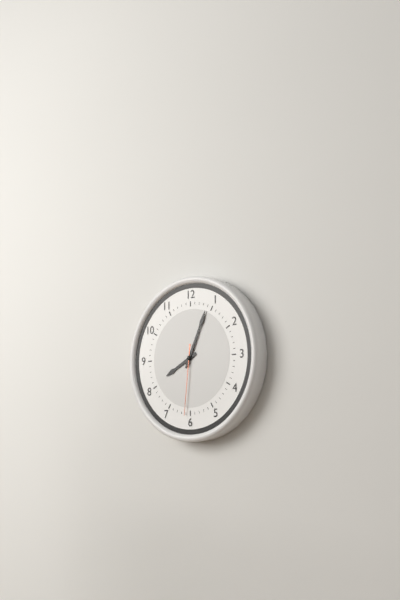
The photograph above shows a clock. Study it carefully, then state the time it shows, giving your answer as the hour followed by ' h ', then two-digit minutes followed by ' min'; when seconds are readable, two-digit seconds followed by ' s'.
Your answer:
8 h 04 min 31 s
